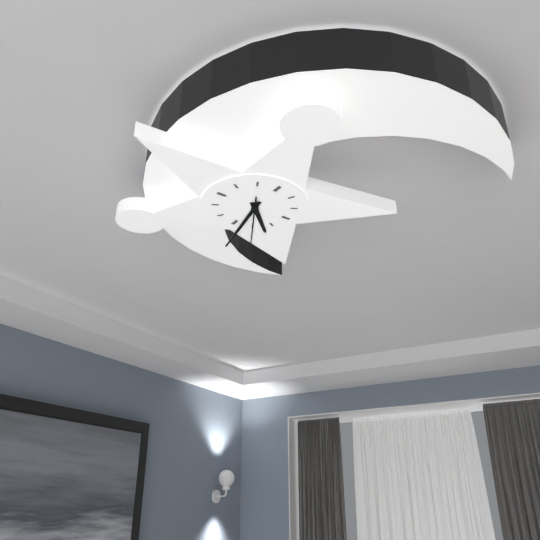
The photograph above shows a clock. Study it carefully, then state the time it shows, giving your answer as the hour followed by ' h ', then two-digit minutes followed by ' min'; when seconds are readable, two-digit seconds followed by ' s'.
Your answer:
4 h 28 min 25 s
